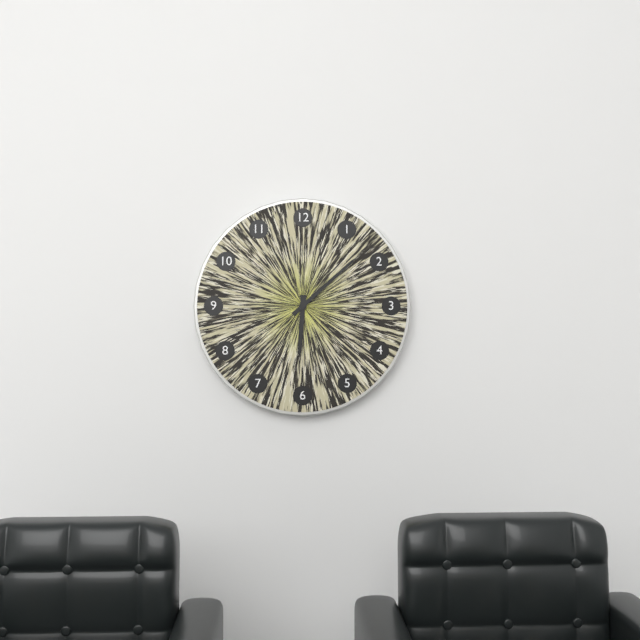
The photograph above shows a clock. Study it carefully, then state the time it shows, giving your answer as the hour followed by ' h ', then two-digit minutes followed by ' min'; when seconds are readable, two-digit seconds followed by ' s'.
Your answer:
6 h 08 min
